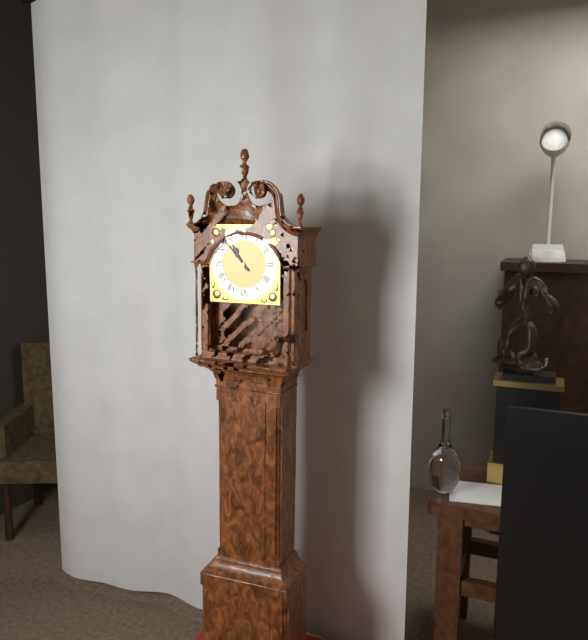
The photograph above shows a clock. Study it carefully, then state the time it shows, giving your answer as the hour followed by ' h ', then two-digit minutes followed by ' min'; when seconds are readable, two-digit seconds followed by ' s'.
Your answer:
10 h 53 min
